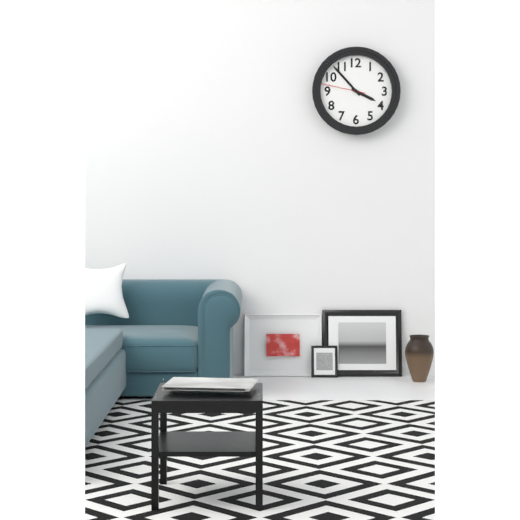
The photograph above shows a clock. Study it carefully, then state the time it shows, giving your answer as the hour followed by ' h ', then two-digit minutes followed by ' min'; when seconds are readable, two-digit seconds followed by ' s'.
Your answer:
3 h 53 min
